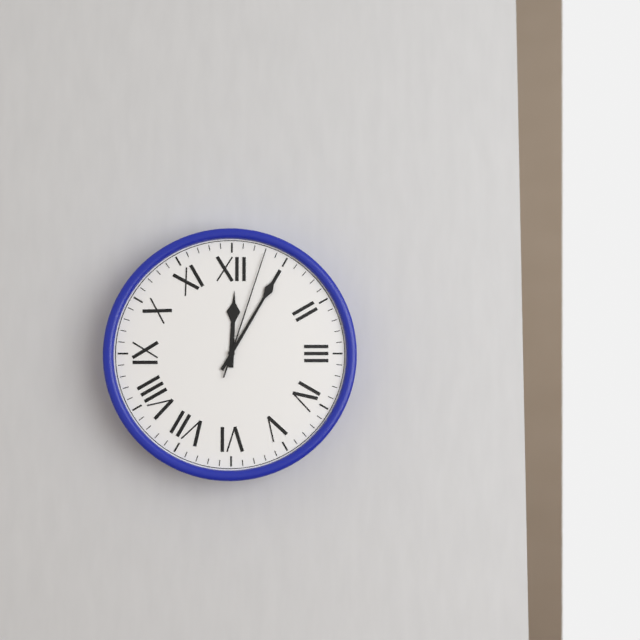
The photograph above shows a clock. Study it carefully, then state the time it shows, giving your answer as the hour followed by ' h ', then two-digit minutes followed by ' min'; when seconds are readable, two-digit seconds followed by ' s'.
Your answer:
12 h 05 min 03 s
